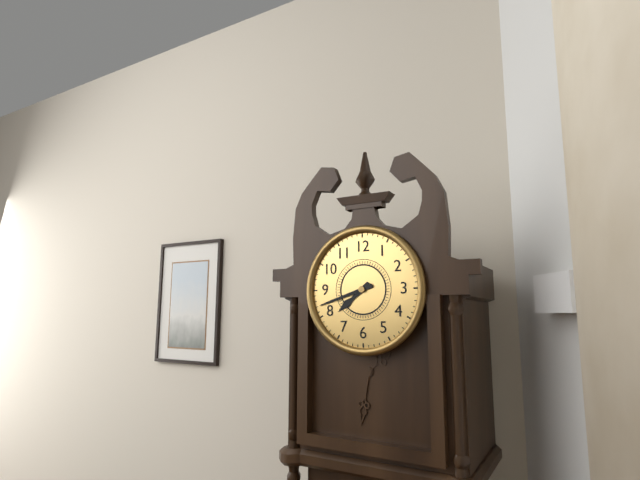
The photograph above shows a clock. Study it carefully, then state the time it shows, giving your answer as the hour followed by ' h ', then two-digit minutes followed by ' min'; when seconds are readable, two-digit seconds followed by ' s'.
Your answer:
7 h 42 min
